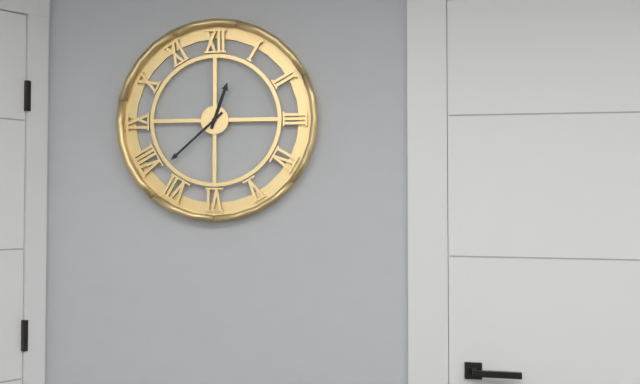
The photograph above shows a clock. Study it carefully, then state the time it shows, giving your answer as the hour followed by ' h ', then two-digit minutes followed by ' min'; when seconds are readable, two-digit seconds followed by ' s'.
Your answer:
12 h 38 min
